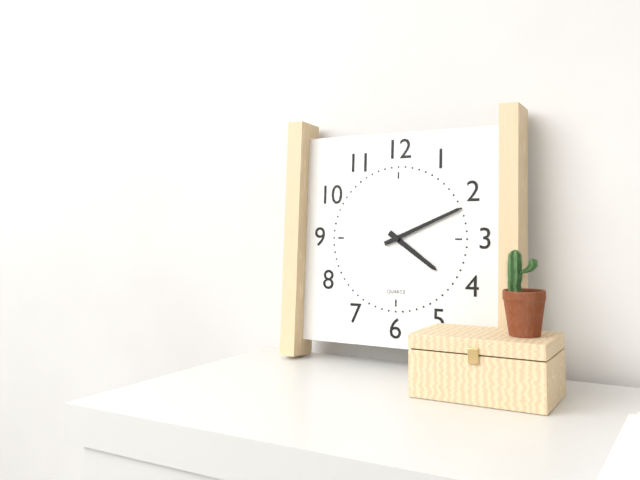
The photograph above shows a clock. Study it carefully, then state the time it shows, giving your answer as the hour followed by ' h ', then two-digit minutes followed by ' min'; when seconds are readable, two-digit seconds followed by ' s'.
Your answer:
4 h 11 min
